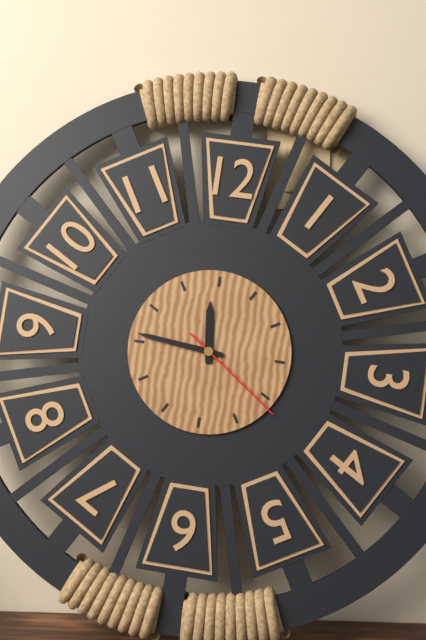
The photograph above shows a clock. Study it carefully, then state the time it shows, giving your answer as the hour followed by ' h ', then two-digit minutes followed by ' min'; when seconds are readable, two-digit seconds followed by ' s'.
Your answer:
11 h 46 min 21 s
